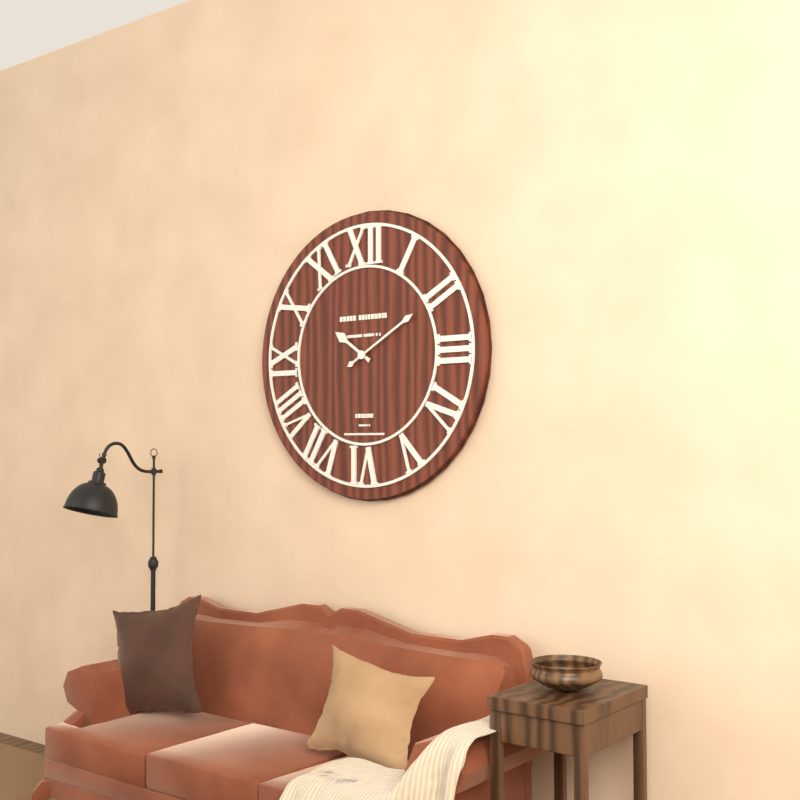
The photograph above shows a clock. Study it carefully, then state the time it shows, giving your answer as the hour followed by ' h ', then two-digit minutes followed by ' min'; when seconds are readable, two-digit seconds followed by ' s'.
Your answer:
10 h 10 min
